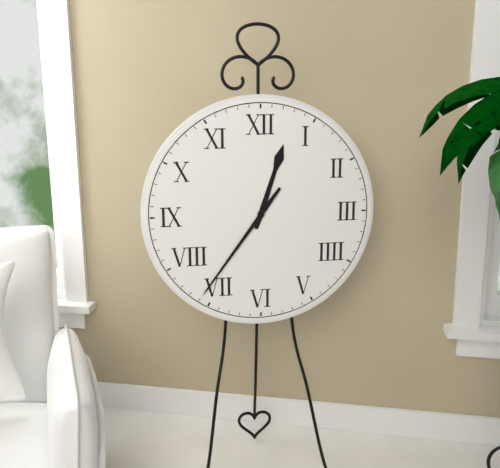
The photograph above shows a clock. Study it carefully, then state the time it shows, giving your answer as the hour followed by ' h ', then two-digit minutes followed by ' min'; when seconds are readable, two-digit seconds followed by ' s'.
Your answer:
12 h 36 min
